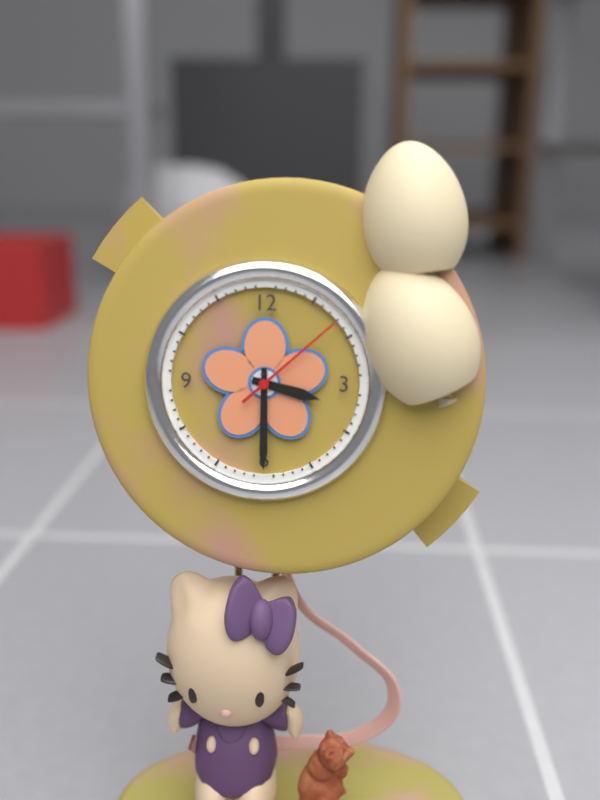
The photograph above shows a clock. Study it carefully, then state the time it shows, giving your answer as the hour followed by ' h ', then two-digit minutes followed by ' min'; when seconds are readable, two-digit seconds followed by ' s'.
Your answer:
3 h 30 min 08 s
